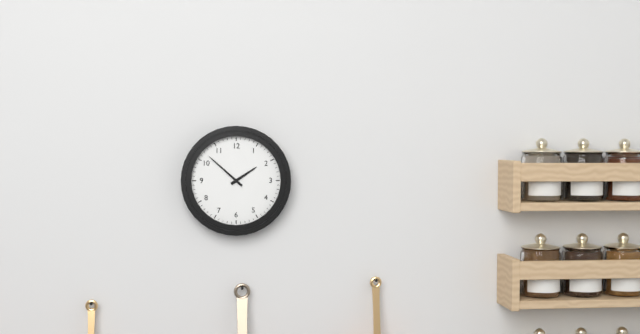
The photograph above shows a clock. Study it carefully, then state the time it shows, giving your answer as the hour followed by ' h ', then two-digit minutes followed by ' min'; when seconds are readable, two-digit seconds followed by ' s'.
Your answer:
1 h 52 min
